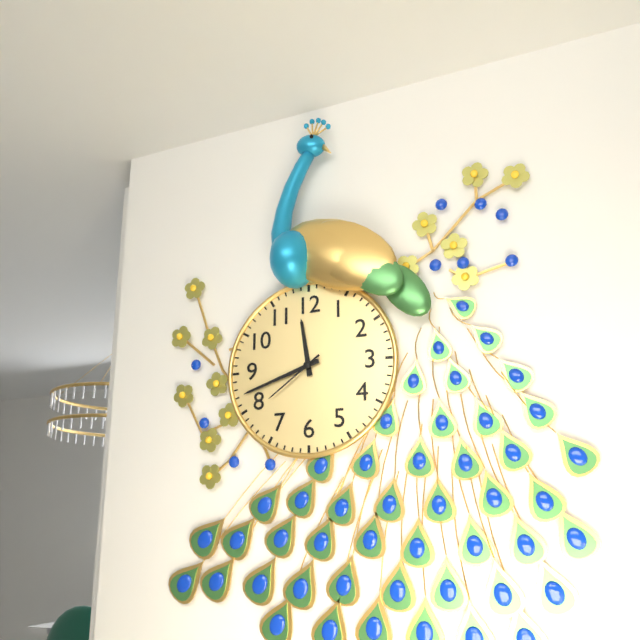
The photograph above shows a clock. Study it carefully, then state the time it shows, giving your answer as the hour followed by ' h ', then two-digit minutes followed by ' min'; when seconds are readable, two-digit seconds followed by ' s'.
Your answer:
11 h 42 min 39 s
